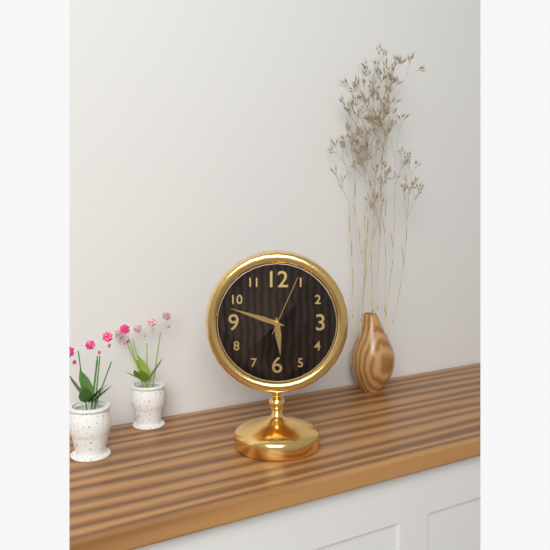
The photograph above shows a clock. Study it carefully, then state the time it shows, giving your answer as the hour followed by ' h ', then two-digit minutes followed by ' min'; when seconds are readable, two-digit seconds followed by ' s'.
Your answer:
5 h 48 min 04 s
